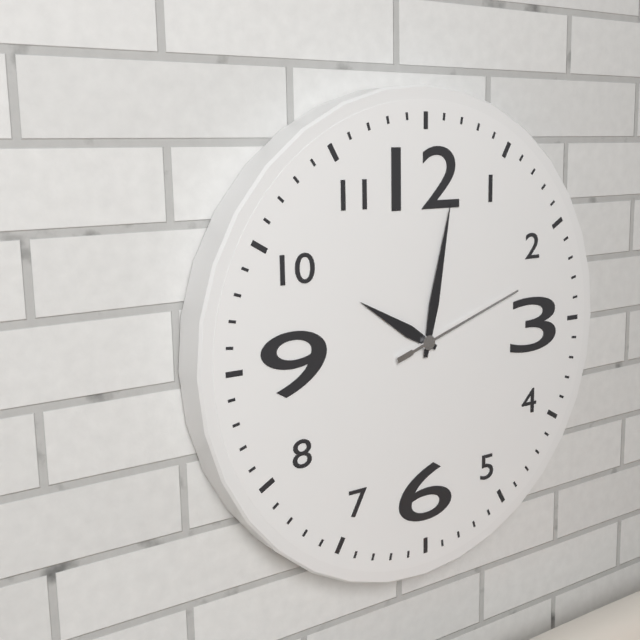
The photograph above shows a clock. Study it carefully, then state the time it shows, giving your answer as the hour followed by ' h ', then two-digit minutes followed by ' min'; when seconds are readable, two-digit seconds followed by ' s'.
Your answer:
10 h 02 min 12 s
